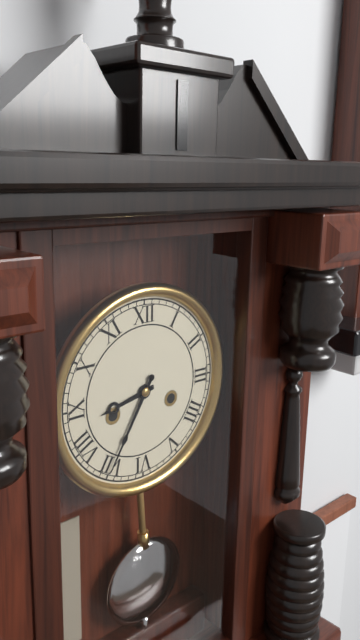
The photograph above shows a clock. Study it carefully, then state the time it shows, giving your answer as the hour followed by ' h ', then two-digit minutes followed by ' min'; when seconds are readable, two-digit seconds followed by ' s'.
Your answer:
8 h 35 min
